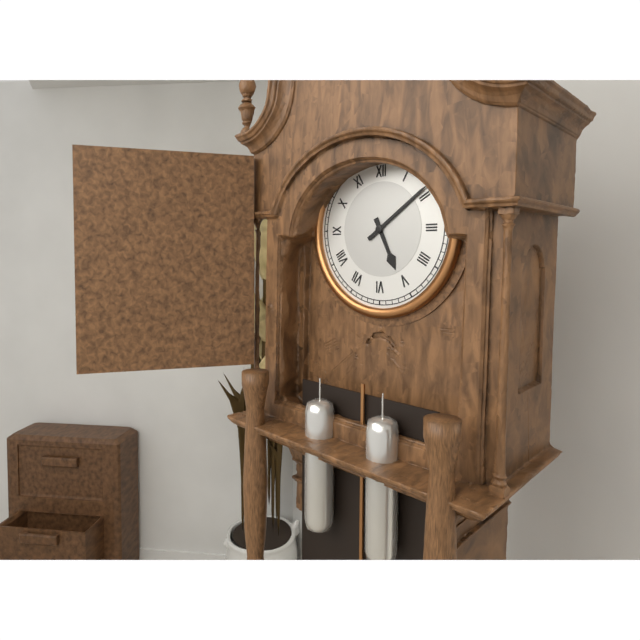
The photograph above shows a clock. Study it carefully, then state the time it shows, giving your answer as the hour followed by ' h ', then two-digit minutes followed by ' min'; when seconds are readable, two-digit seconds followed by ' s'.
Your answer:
5 h 09 min
